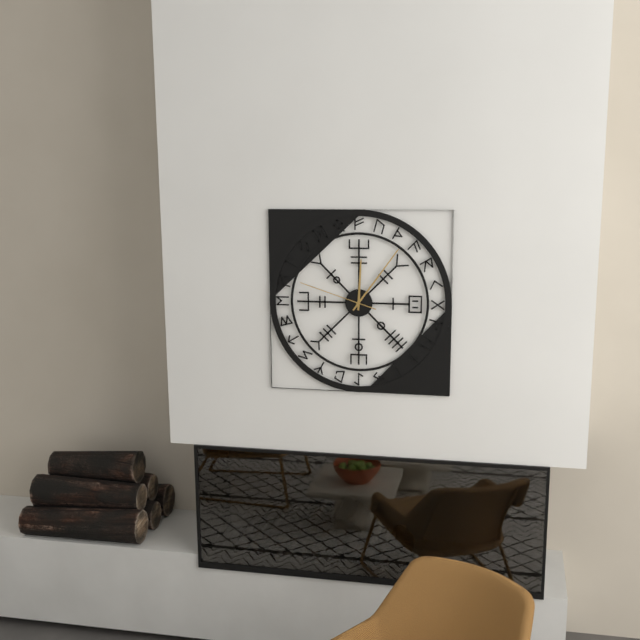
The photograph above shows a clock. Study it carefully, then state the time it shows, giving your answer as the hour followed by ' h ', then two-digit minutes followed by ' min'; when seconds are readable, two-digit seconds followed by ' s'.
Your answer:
12 h 06 min 48 s
